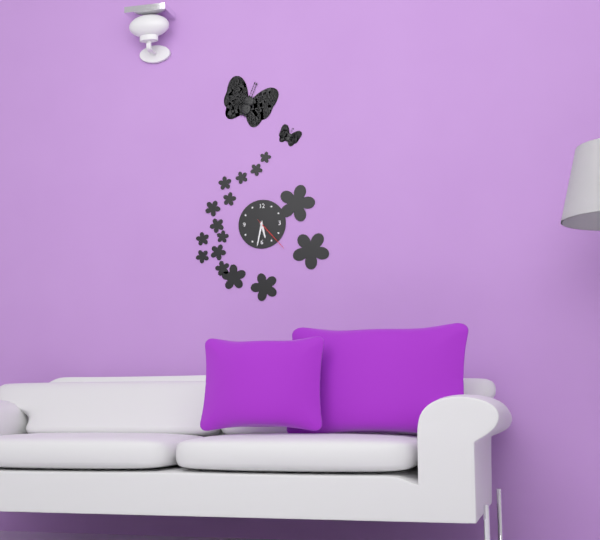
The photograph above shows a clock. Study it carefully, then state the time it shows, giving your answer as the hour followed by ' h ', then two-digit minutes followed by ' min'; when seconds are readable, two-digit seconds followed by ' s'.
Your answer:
5 h 32 min
